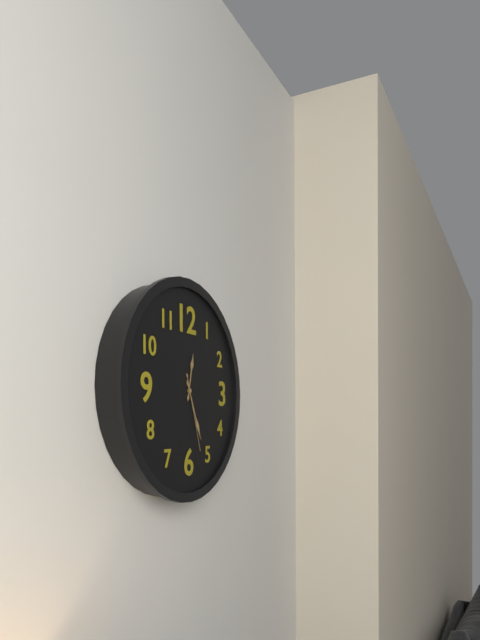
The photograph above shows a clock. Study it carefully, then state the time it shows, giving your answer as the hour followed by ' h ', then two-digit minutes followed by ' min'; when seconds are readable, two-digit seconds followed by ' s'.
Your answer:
12 h 26 min 27 s
